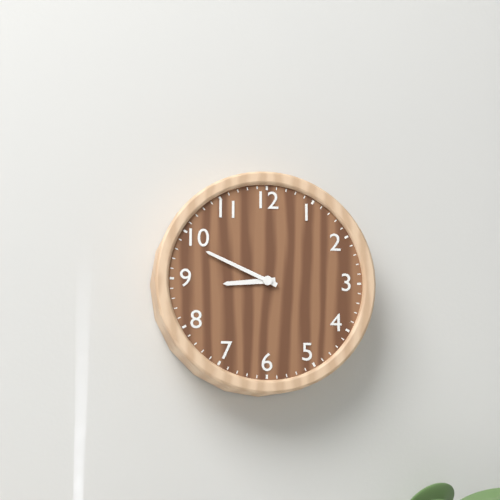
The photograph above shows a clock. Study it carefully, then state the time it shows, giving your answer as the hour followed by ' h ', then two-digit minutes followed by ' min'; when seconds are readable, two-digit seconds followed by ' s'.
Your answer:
8 h 49 min
